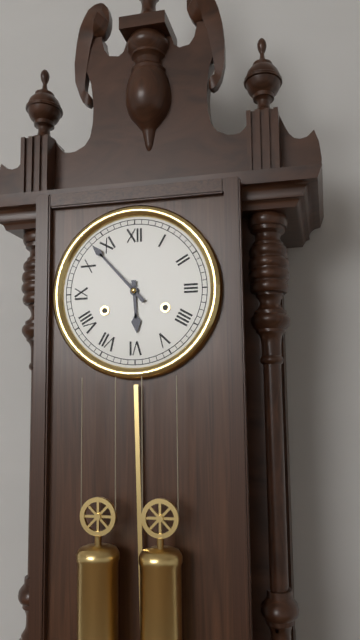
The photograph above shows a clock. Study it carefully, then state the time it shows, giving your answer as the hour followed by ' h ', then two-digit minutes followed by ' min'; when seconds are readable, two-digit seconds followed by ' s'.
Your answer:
5 h 53 min
